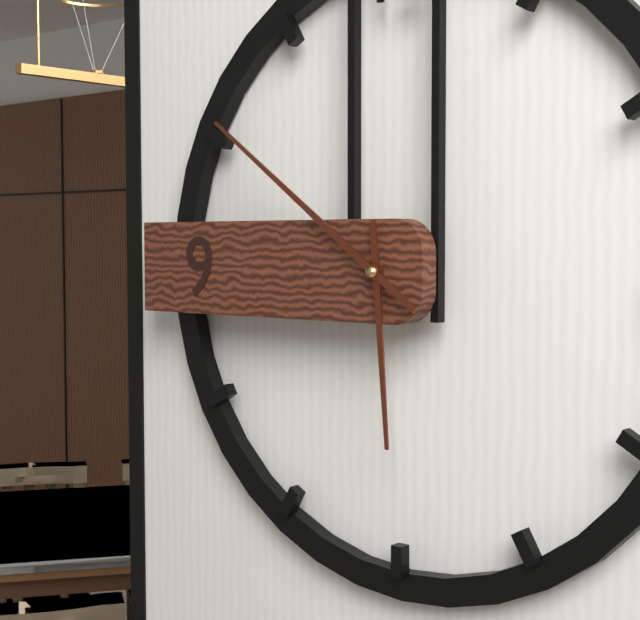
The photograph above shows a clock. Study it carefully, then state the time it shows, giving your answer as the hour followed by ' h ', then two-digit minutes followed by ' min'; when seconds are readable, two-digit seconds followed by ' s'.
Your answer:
5 h 51 min
